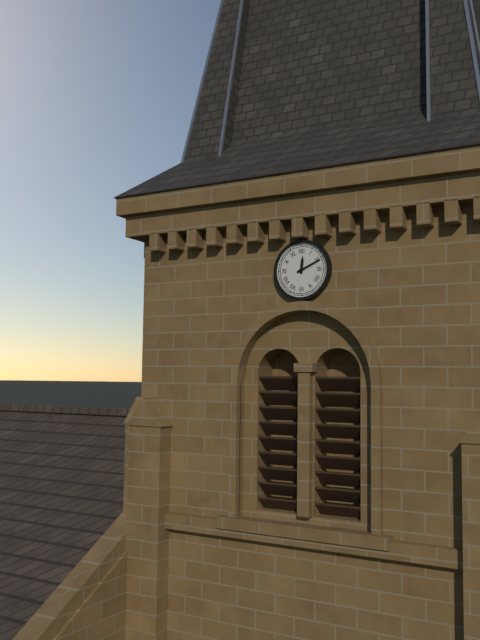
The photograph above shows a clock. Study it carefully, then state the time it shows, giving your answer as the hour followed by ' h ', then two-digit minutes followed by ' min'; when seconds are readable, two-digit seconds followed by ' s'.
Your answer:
12 h 11 min
